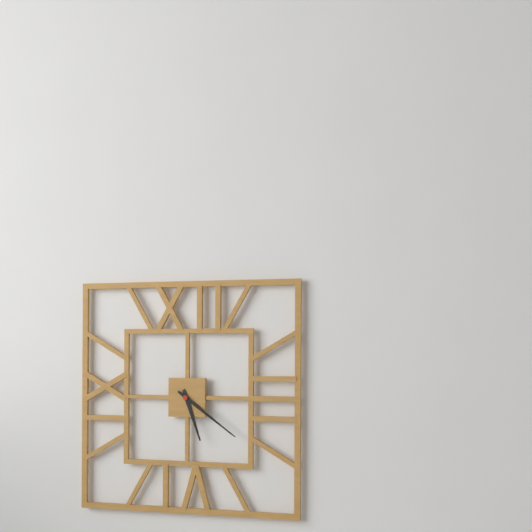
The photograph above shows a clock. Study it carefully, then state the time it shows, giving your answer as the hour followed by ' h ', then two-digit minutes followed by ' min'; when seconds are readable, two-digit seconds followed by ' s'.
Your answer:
5 h 21 min
